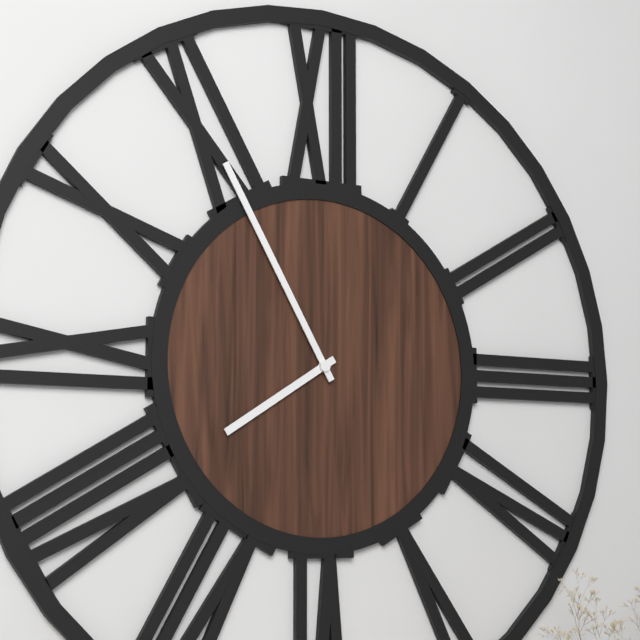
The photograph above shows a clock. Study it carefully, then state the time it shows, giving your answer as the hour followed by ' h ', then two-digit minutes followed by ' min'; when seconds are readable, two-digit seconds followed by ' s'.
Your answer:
7 h 55 min
